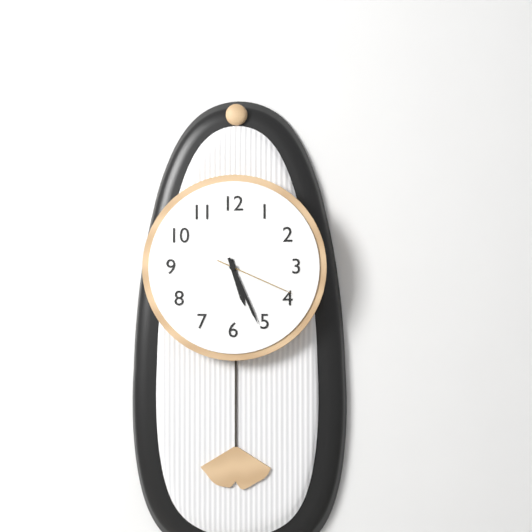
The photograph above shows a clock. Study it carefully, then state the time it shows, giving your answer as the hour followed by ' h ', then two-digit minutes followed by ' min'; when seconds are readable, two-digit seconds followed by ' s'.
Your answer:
5 h 26 min 19 s
